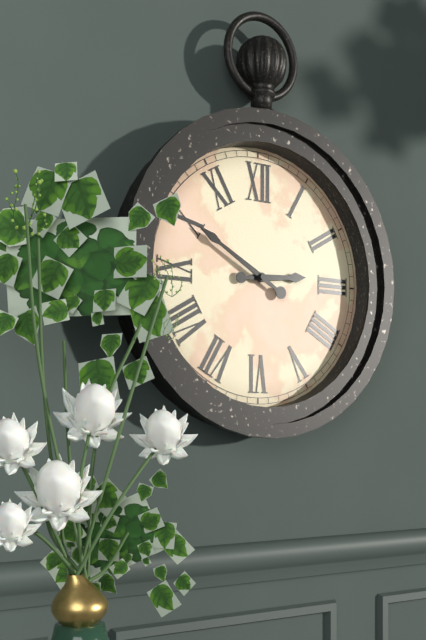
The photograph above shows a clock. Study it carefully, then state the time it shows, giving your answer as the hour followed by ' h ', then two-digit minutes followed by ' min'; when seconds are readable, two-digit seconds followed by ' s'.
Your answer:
2 h 50 min
